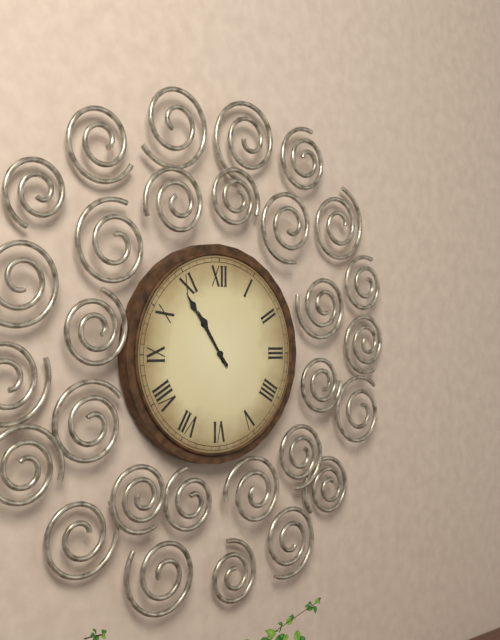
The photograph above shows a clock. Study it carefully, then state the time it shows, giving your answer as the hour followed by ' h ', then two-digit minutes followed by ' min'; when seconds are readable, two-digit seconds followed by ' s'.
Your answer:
10 h 54 min
